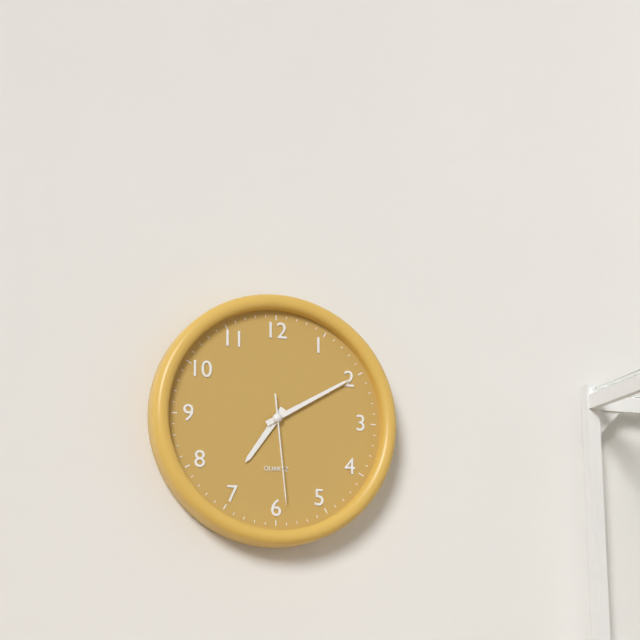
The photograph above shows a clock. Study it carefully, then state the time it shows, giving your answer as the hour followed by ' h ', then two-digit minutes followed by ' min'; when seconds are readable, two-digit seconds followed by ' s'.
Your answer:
7 h 10 min 29 s
